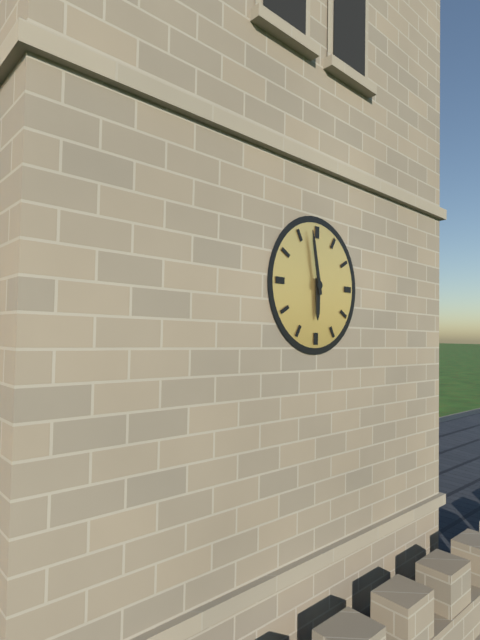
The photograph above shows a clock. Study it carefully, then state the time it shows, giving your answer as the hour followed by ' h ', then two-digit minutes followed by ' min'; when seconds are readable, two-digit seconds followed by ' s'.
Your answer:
5 h 58 min
